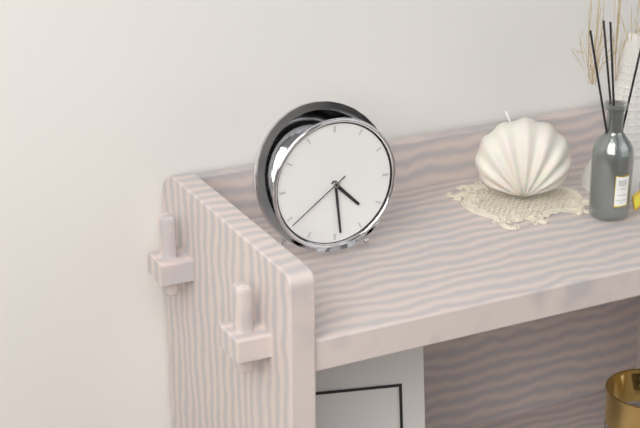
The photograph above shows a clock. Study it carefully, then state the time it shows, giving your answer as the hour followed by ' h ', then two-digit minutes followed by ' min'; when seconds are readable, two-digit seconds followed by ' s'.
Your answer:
4 h 29 min 39 s
